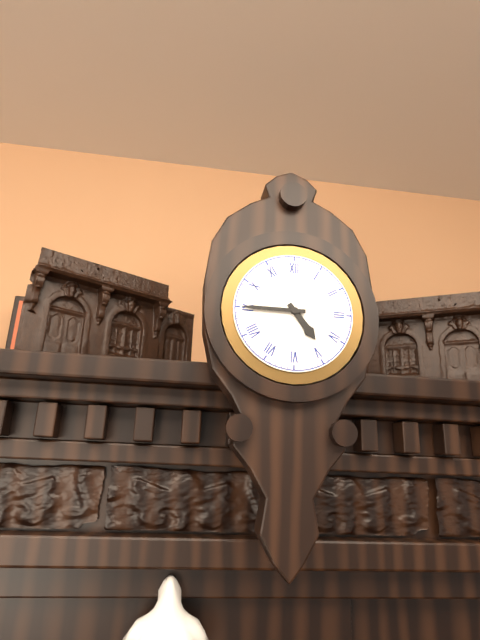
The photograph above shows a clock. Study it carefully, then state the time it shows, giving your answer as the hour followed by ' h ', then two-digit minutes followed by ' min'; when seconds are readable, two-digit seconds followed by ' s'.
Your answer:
4 h 45 min
